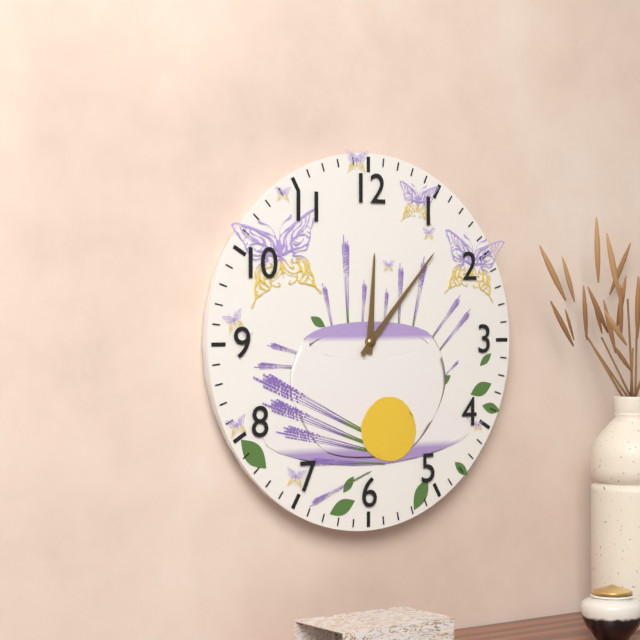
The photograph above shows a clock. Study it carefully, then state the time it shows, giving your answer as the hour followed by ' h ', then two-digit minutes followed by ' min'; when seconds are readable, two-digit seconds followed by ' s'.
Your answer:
12 h 07 min
